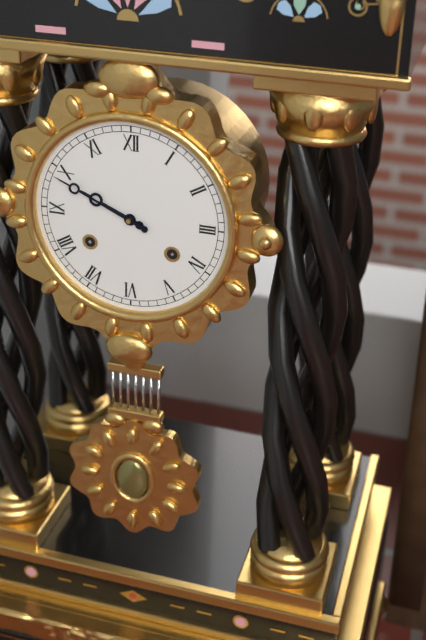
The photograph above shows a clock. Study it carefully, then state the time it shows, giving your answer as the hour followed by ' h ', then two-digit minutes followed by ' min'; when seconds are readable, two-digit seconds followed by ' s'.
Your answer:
9 h 49 min
